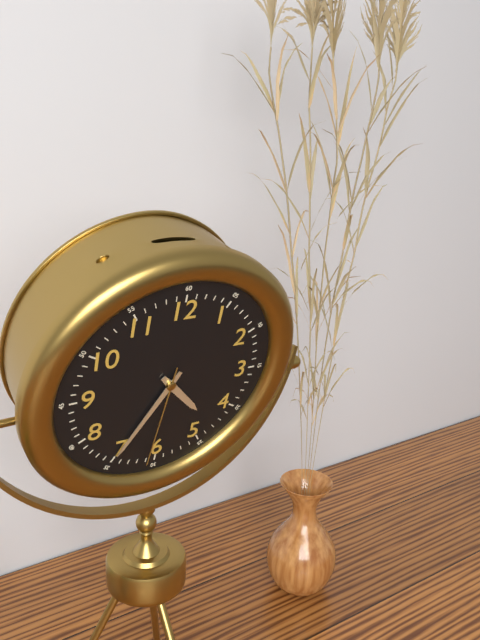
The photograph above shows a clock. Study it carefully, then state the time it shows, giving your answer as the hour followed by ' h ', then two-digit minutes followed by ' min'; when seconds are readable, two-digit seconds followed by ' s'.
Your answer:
4 h 35 min 31 s
